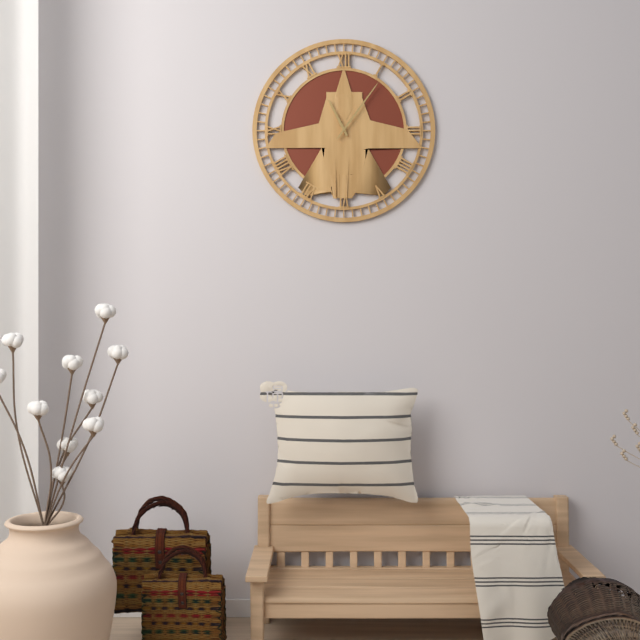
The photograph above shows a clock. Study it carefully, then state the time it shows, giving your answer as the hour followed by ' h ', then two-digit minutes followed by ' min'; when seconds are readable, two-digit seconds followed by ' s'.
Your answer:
11 h 06 min
